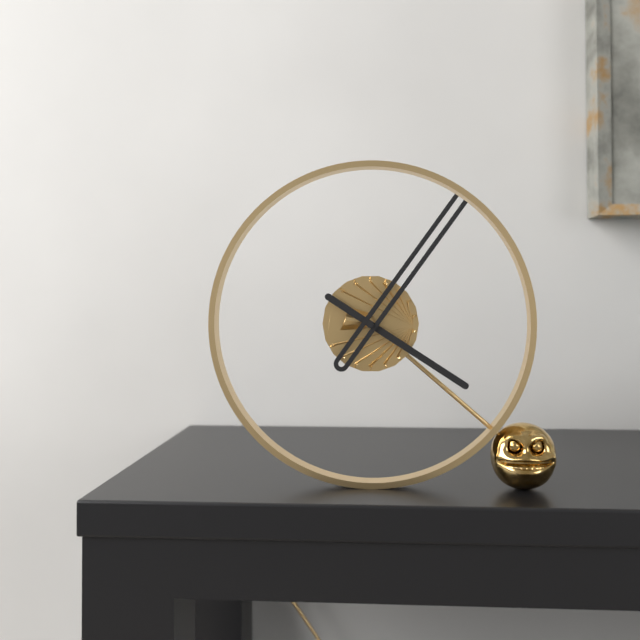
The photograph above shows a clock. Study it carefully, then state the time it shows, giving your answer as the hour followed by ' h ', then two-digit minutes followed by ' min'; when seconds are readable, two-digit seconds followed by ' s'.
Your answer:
4 h 06 min
